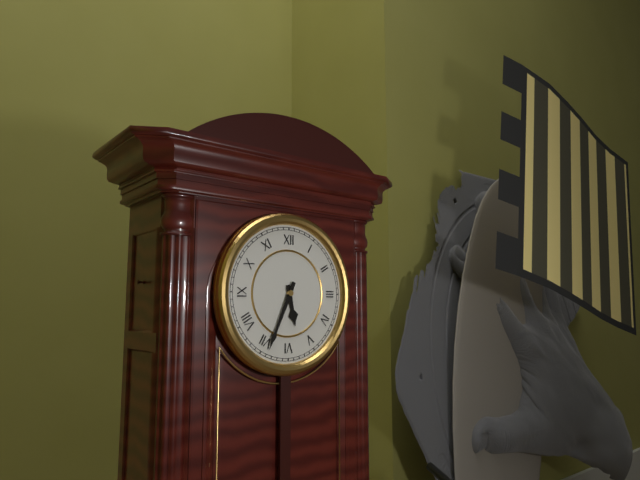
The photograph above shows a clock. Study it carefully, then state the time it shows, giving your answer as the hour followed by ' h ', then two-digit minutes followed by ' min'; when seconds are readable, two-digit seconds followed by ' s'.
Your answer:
5 h 34 min
